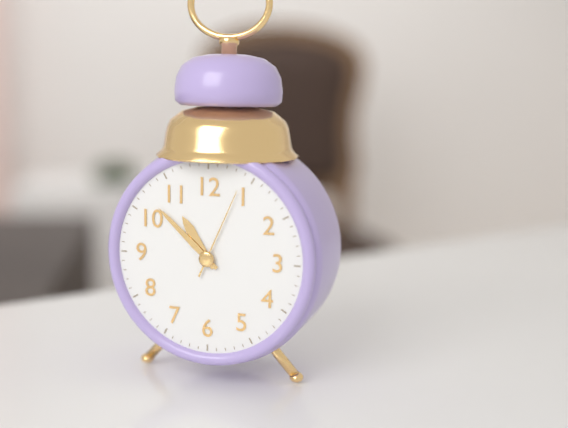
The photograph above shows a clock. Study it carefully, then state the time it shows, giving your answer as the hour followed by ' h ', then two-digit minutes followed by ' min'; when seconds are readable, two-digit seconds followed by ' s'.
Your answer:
10 h 52 min 04 s
